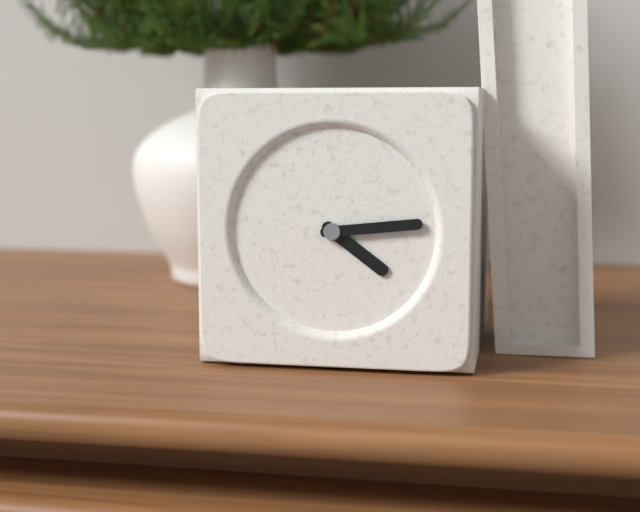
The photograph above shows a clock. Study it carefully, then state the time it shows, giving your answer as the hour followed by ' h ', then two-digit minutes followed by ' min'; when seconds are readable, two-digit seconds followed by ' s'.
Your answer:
4 h 14 min
